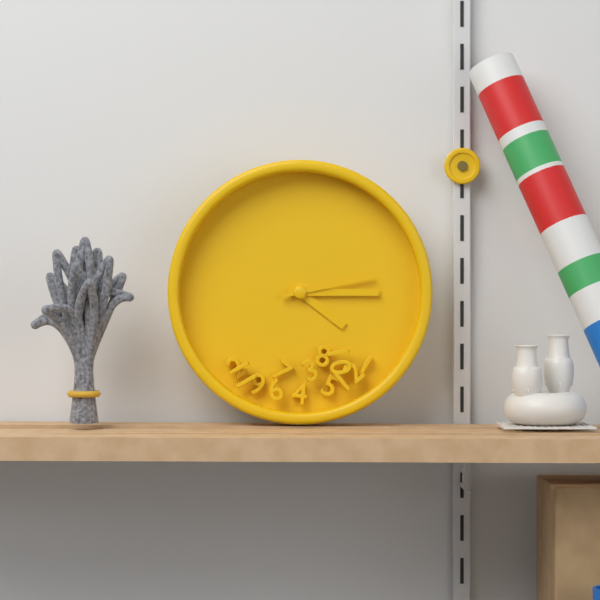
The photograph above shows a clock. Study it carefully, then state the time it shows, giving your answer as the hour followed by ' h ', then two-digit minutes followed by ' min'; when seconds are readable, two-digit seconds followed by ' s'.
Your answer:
4 h 15 min 13 s
